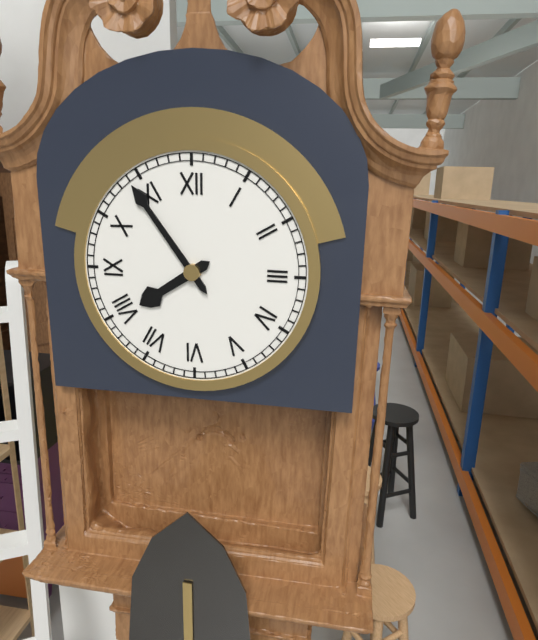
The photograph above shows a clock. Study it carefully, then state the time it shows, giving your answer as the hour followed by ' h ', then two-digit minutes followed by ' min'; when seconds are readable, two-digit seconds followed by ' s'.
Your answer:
7 h 54 min
